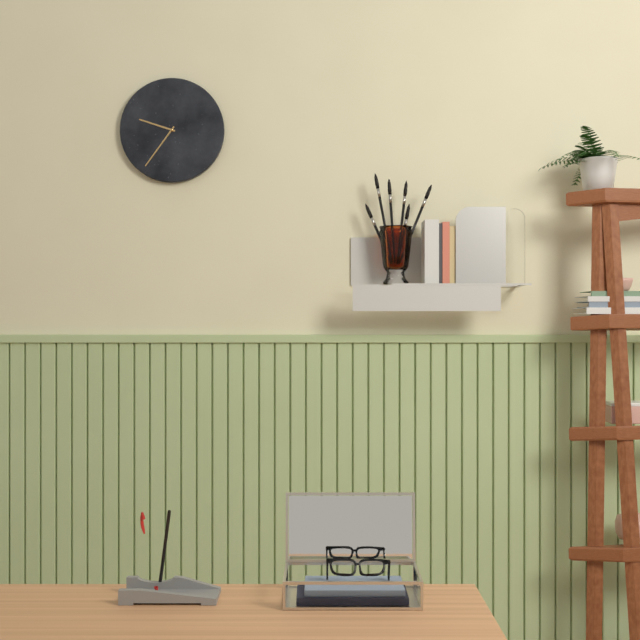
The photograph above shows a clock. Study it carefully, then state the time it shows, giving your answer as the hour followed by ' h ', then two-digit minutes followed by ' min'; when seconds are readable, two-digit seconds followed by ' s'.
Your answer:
9 h 36 min
